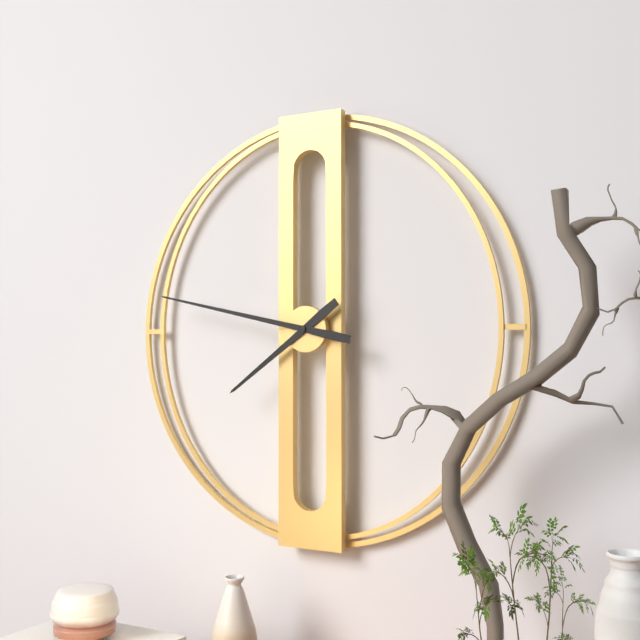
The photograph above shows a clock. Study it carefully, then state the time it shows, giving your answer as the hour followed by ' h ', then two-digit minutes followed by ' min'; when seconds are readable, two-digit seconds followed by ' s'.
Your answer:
7 h 47 min
